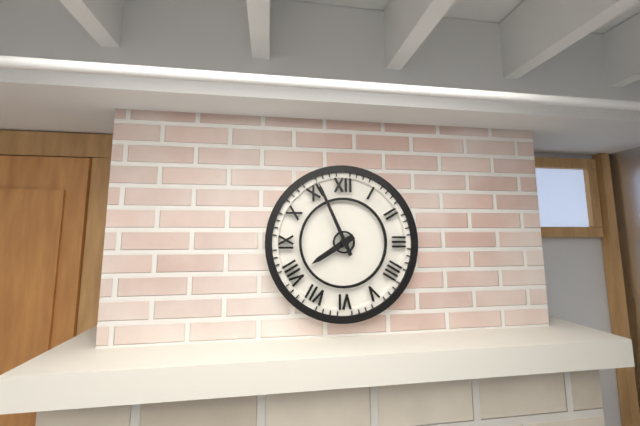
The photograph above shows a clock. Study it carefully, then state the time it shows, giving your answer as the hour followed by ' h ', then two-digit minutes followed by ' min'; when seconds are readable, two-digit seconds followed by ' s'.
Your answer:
7 h 56 min
